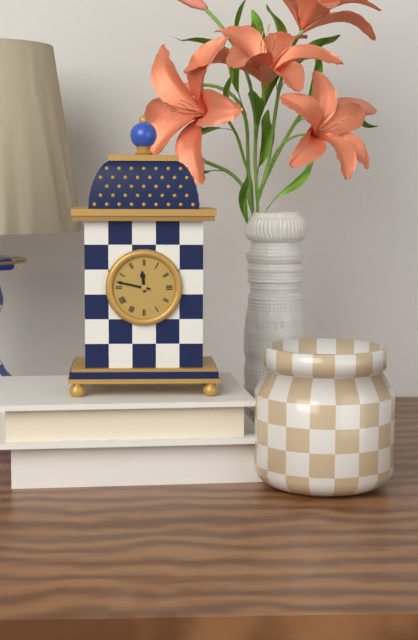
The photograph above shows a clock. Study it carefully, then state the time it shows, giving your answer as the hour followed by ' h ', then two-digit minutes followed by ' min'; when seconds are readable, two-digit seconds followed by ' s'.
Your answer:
11 h 47 min
